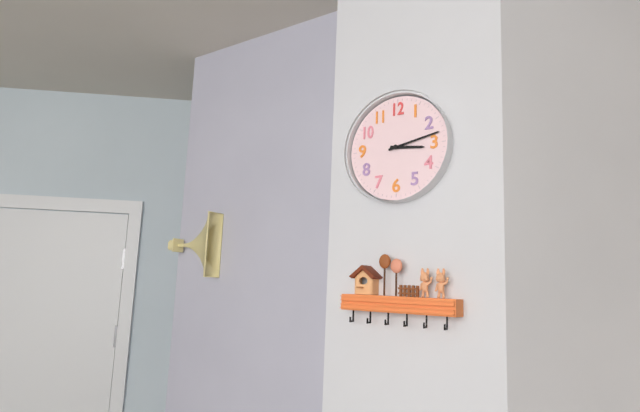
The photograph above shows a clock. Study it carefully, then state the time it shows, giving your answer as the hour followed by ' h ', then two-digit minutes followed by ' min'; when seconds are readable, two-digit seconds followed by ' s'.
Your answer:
3 h 13 min
